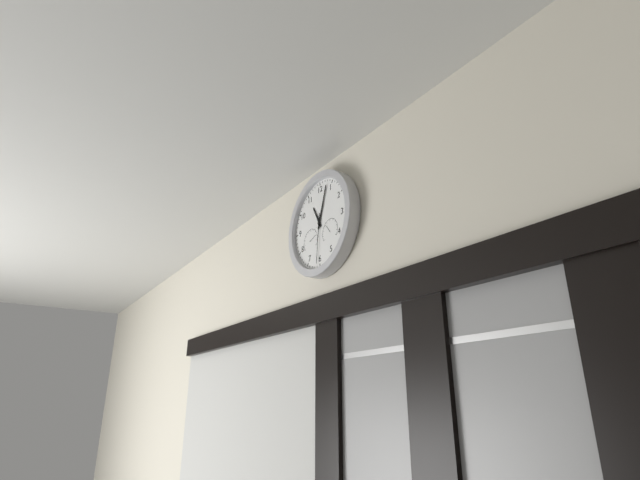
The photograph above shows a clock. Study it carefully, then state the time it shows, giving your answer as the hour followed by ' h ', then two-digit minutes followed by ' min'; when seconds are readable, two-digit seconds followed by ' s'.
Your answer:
11 h 03 min 31 s
